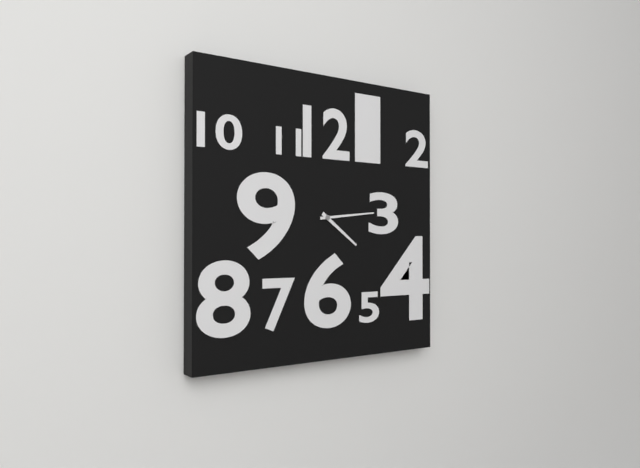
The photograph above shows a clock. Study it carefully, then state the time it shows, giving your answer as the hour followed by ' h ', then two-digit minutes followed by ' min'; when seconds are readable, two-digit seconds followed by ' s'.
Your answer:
4 h 14 min
